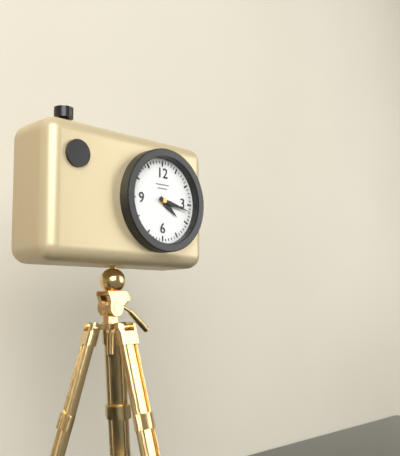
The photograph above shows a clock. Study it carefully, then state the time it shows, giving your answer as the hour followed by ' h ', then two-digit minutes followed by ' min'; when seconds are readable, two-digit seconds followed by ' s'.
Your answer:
4 h 17 min
